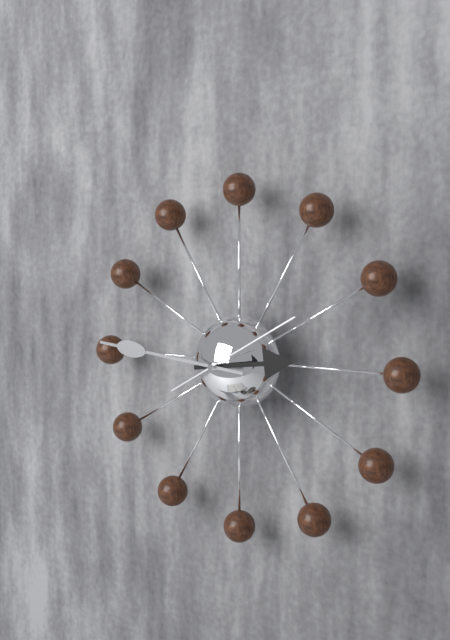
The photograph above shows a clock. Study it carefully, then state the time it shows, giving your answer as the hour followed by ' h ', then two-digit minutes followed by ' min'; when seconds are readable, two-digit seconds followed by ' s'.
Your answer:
2 h 46 min 10 s
